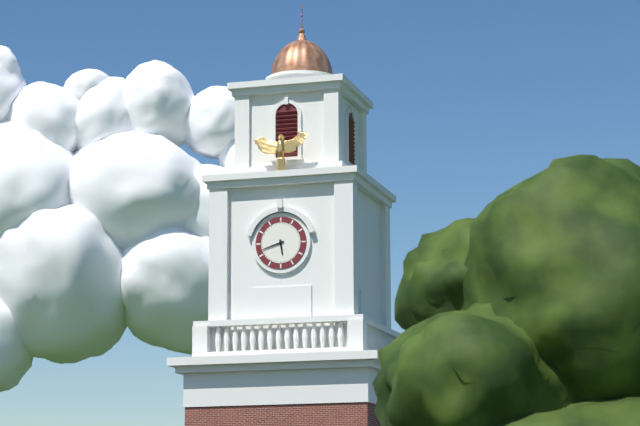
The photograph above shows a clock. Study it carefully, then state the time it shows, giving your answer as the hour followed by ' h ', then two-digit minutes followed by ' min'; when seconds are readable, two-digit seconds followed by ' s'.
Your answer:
5 h 42 min
